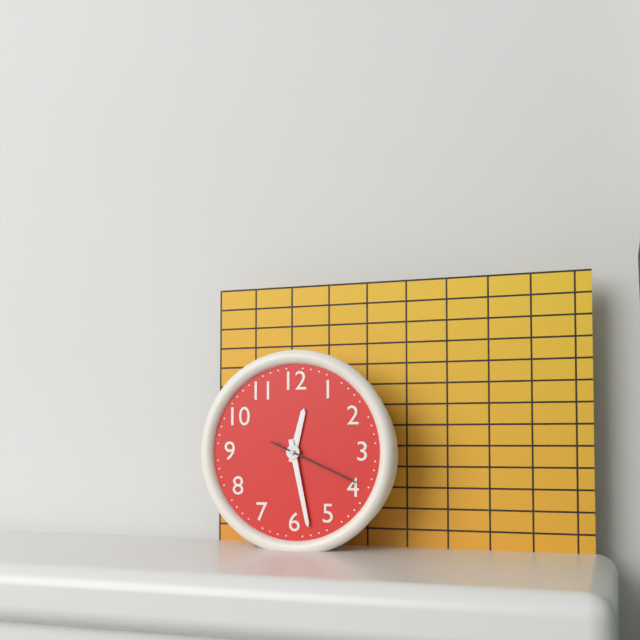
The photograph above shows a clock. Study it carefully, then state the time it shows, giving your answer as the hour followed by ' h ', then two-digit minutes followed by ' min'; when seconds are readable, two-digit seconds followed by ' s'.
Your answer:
12 h 28 min 19 s
